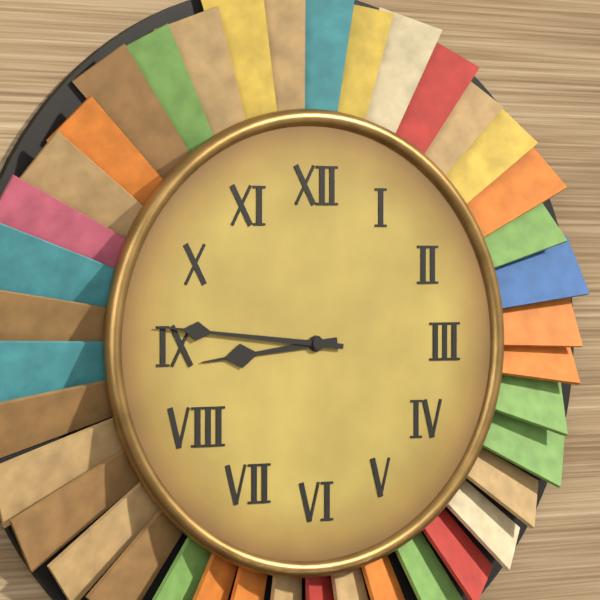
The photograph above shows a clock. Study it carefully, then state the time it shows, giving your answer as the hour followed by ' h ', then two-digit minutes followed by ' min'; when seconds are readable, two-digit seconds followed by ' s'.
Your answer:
8 h 46 min
